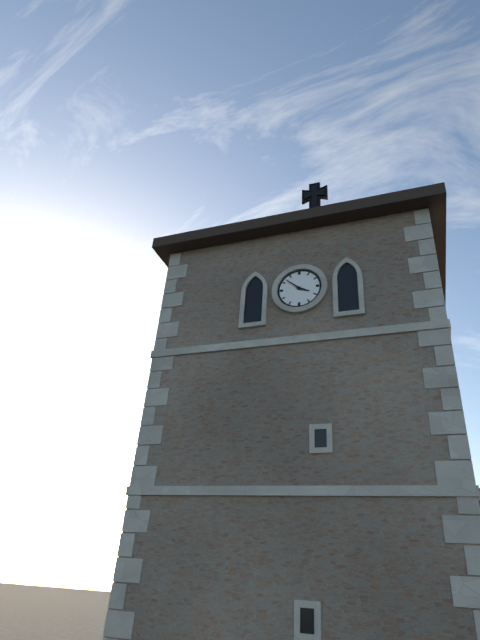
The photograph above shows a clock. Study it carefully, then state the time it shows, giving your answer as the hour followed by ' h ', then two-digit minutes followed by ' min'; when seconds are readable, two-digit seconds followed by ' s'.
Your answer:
3 h 52 min
